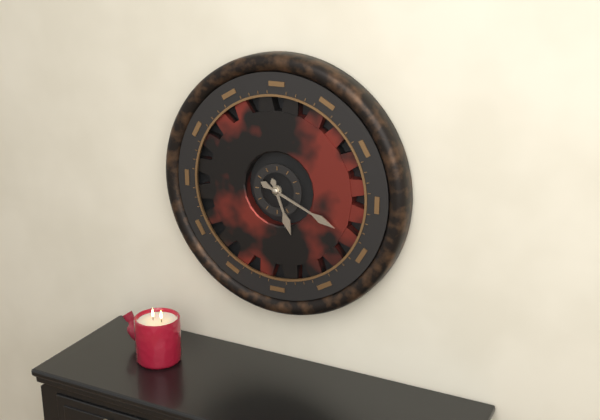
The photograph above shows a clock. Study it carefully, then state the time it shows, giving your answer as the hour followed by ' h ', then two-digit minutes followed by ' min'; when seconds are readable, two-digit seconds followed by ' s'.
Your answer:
5 h 19 min
